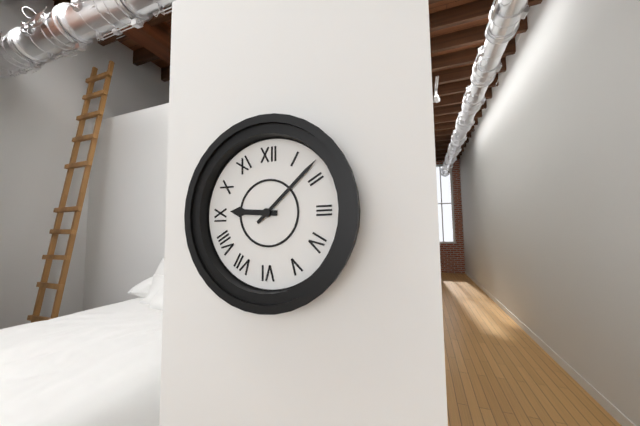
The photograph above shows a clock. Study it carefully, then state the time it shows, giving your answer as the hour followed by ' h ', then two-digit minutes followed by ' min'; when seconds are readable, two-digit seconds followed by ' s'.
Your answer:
9 h 08 min
